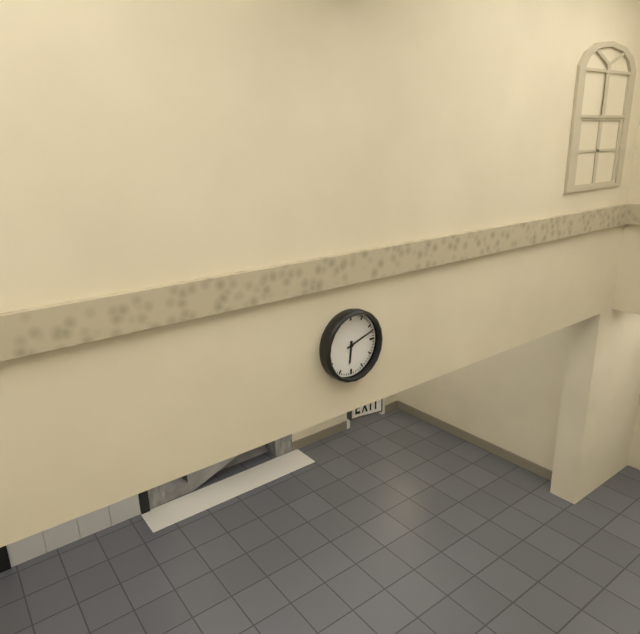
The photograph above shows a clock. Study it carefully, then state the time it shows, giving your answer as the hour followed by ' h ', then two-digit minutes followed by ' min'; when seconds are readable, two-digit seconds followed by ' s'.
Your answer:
6 h 12 min
